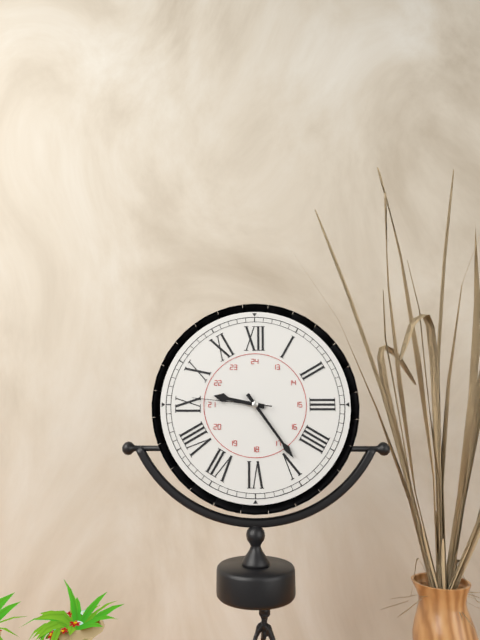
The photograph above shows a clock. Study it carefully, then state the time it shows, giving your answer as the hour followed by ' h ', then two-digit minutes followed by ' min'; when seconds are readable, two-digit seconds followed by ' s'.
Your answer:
9 h 24 min 46 s
